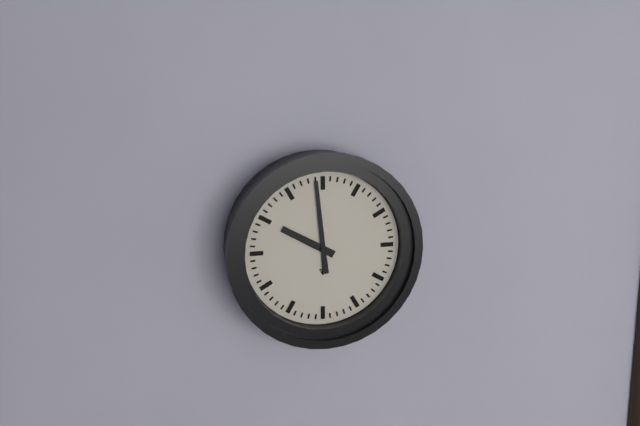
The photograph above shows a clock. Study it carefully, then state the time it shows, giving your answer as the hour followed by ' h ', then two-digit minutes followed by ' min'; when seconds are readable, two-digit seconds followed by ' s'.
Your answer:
9 h 59 min
